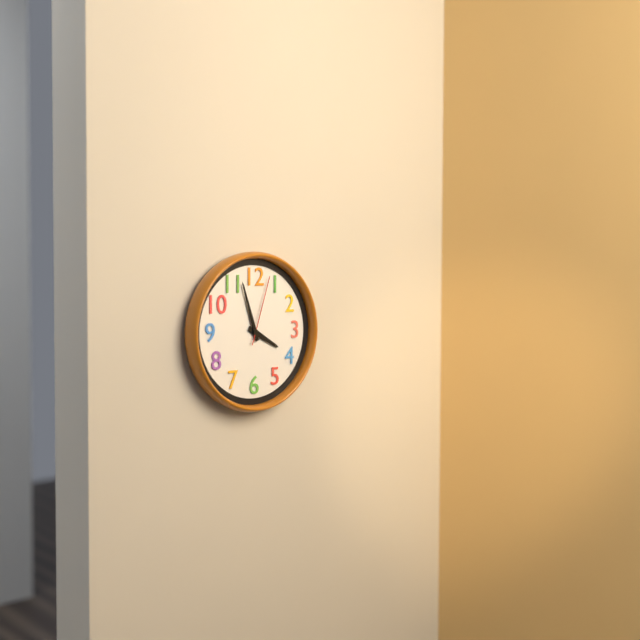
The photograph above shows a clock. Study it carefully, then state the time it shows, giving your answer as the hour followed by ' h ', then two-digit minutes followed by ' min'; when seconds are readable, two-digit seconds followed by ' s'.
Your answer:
3 h 57 min 03 s
